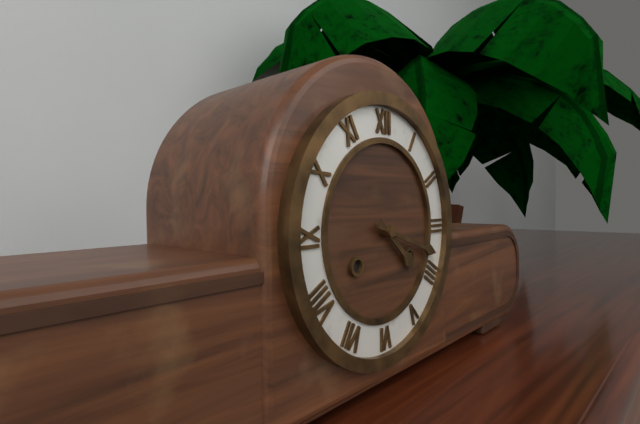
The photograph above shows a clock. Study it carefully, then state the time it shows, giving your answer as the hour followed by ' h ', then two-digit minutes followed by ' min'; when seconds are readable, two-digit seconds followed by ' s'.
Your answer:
4 h 18 min
